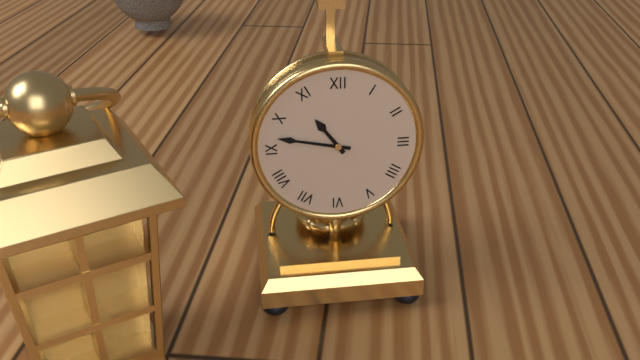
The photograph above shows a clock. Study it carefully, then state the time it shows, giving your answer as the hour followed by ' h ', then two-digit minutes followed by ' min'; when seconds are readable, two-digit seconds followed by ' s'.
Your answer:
10 h 47 min
